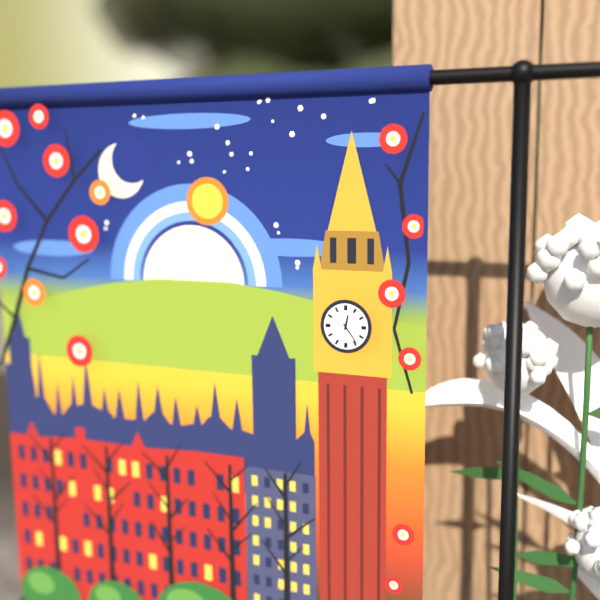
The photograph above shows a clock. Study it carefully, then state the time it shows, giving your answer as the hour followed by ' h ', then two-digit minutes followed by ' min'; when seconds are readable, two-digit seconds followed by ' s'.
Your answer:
12 h 24 min
